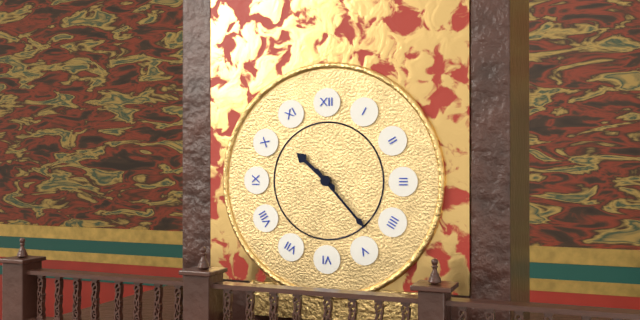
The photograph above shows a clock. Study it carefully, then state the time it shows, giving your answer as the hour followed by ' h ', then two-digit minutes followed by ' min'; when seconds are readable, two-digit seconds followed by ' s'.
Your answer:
10 h 23 min
